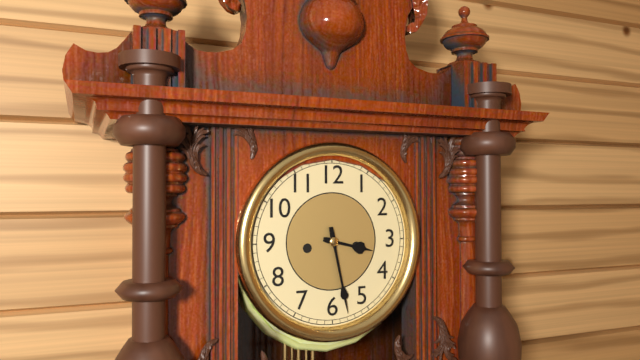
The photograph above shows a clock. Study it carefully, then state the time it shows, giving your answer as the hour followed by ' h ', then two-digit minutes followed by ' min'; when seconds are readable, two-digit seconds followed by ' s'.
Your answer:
3 h 28 min
